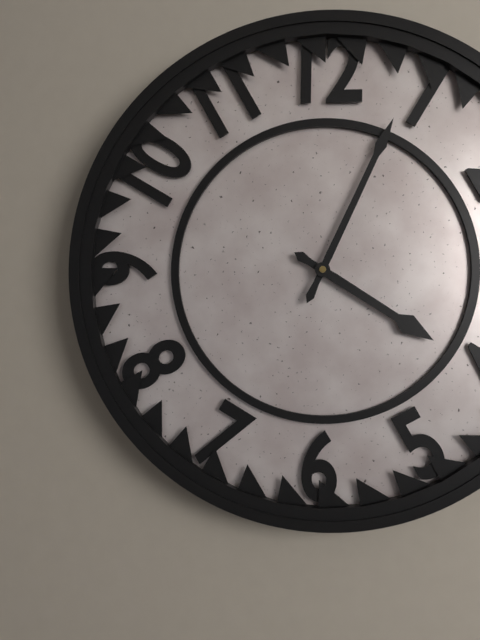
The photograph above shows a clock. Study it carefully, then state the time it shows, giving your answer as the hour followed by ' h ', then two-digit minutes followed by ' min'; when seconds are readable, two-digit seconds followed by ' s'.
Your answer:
4 h 04 min
